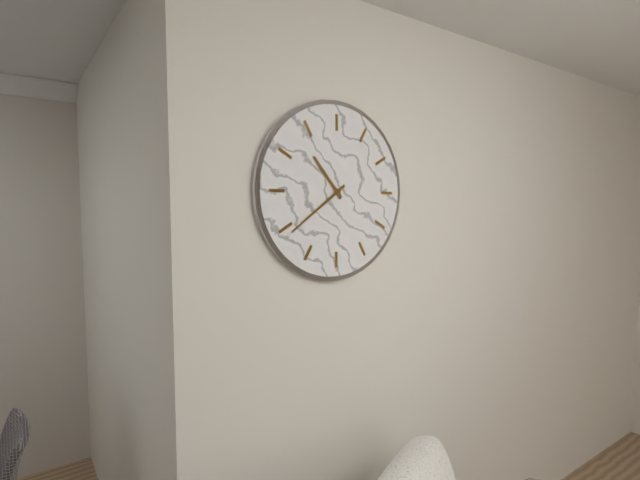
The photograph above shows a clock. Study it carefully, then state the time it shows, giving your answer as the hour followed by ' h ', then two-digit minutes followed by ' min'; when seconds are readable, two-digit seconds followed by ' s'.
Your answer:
10 h 39 min
